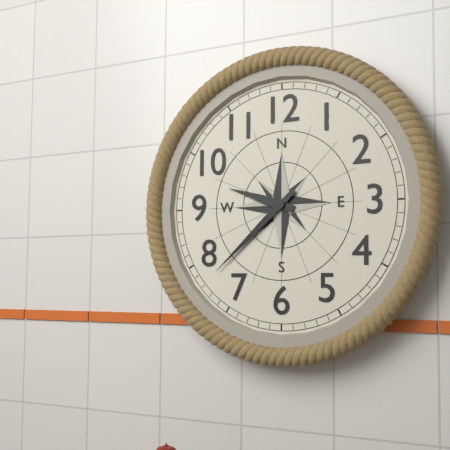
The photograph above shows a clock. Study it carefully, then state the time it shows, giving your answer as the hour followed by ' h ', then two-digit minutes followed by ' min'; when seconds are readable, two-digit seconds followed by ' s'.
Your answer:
9 h 38 min
